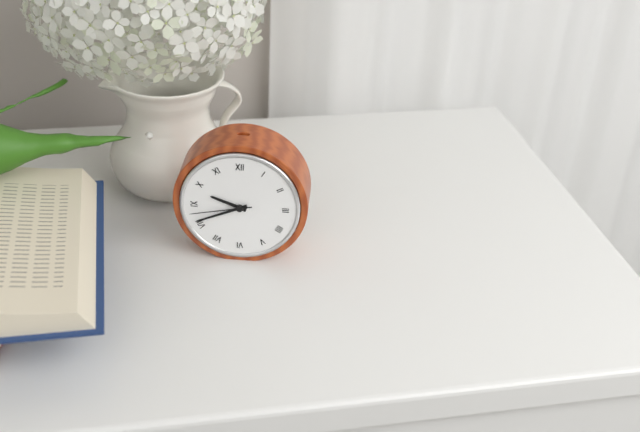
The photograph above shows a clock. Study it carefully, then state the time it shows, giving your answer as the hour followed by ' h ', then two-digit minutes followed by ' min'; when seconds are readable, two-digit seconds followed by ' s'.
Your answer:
9 h 41 min 43 s
